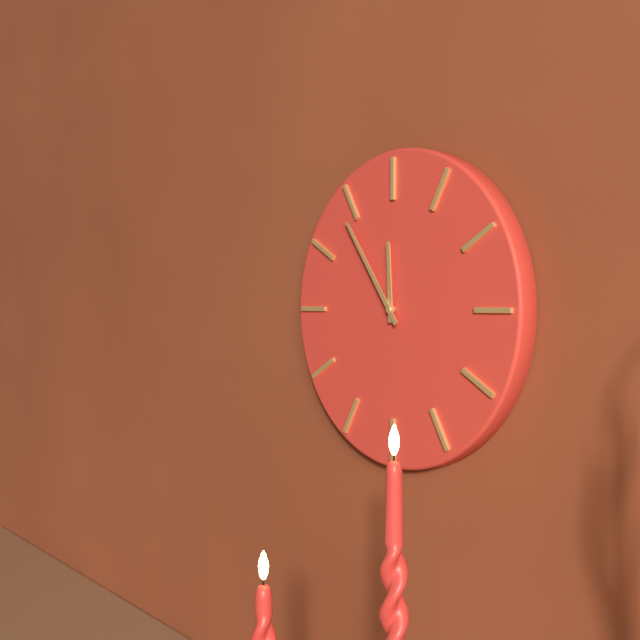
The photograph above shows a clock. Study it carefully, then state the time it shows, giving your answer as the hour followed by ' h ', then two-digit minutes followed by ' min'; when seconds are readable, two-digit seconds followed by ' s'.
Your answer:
11 h 54 min
